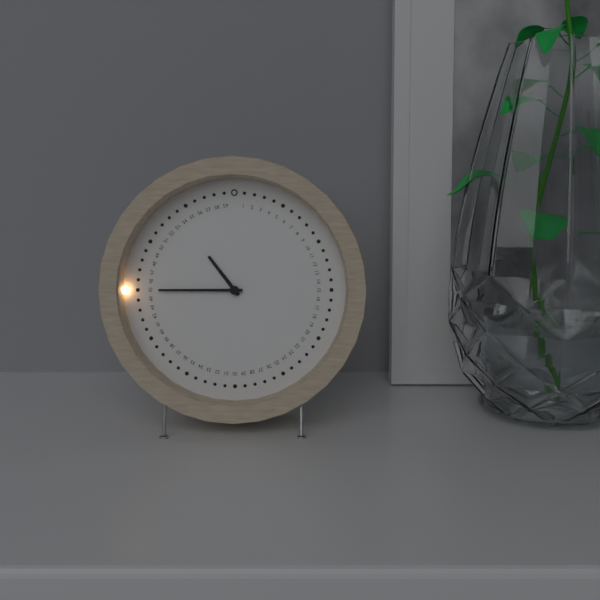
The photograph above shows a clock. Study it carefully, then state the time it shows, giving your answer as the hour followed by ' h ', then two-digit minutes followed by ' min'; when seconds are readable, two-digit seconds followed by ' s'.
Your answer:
10 h 45 min
